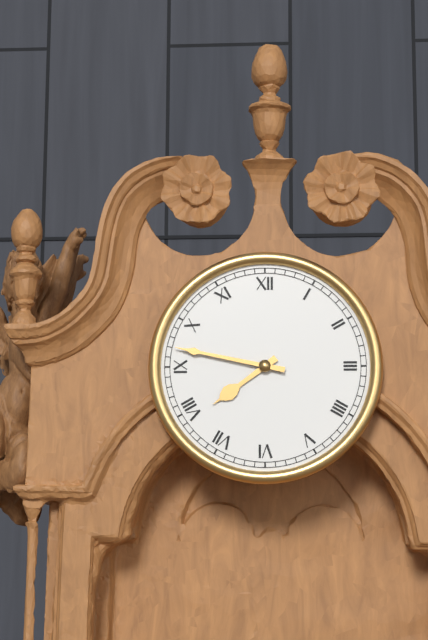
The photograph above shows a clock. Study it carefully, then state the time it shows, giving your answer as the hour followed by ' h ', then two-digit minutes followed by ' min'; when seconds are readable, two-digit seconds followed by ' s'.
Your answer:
7 h 47 min
